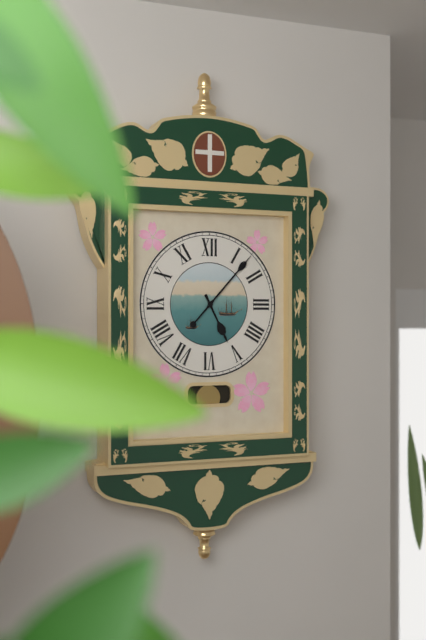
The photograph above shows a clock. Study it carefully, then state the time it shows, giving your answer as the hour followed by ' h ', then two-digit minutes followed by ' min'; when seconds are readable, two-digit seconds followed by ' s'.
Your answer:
5 h 07 min
